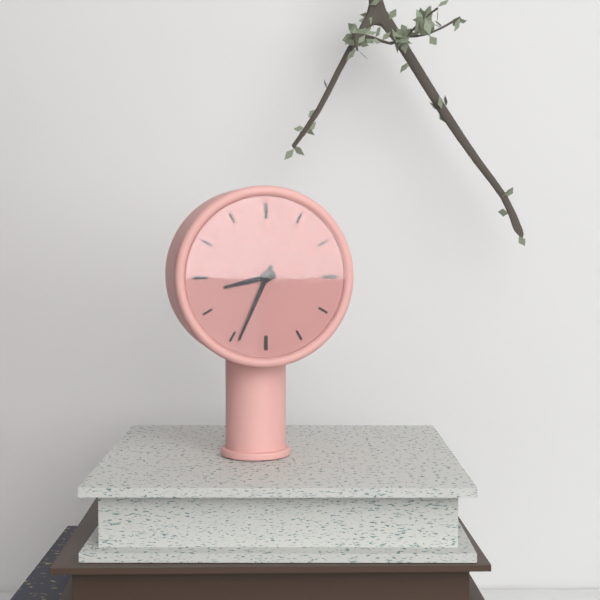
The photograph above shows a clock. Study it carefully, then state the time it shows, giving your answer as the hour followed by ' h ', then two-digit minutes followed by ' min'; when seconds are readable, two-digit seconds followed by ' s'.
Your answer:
8 h 34 min
